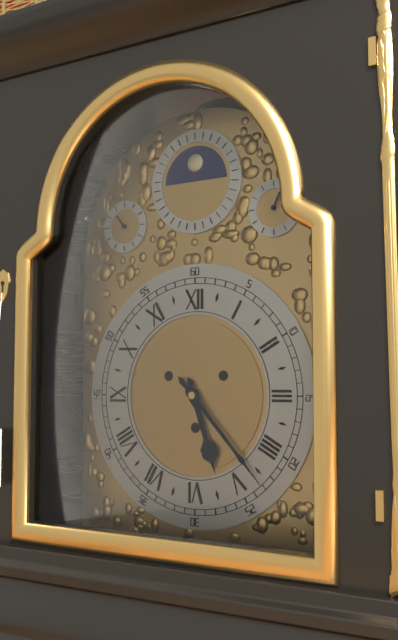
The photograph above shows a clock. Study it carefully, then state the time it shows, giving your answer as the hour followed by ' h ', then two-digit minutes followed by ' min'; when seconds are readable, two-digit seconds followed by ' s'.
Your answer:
5 h 23 min
